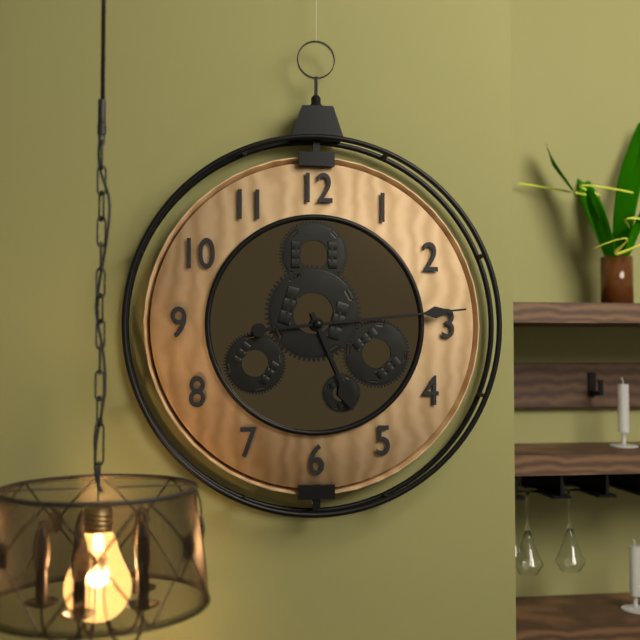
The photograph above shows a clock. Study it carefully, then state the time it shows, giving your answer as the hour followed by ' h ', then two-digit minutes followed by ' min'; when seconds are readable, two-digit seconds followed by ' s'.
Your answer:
5 h 14 min
